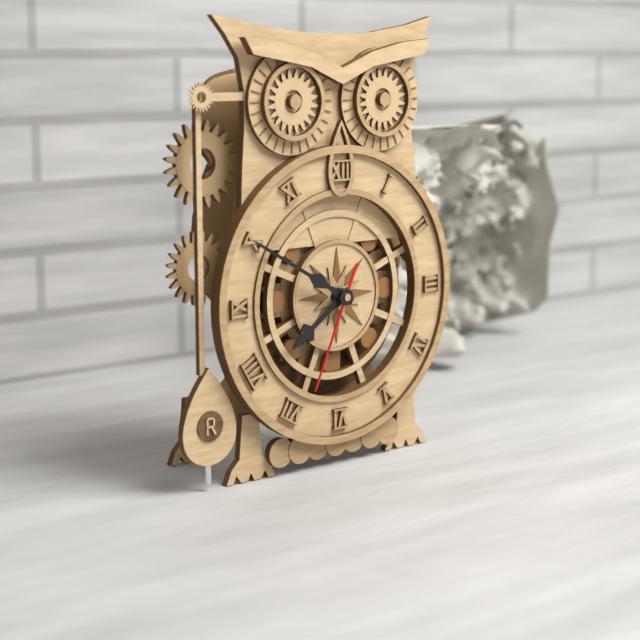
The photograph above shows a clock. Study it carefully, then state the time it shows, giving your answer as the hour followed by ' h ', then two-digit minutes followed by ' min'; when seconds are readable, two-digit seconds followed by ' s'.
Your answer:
7 h 50 min 34 s
